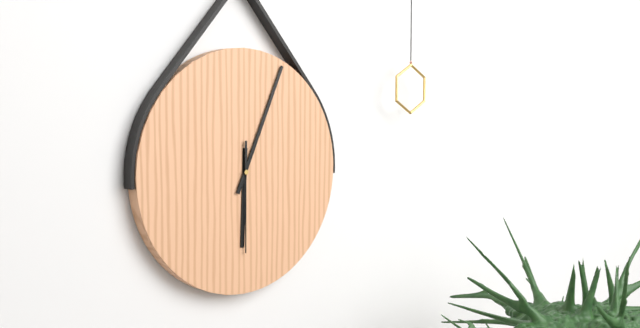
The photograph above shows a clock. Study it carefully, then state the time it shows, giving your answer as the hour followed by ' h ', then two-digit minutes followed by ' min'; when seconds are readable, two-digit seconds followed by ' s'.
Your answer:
6 h 04 min 30 s
